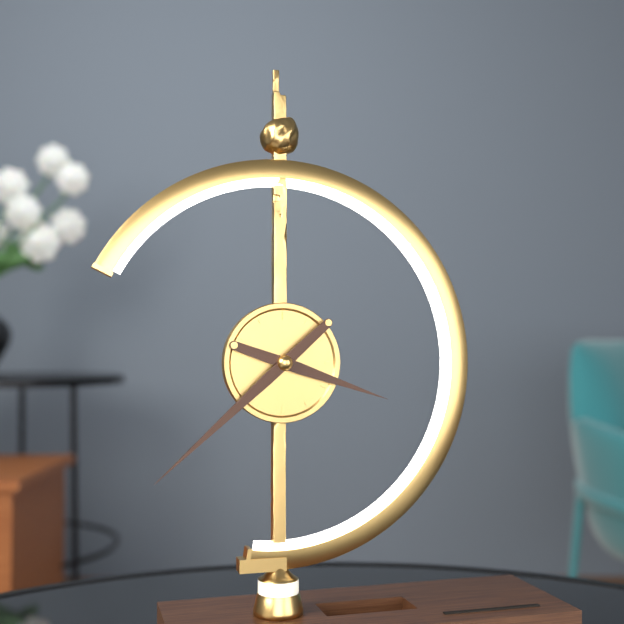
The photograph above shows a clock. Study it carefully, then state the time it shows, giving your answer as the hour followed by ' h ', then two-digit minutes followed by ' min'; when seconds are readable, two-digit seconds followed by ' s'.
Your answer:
3 h 38 min
